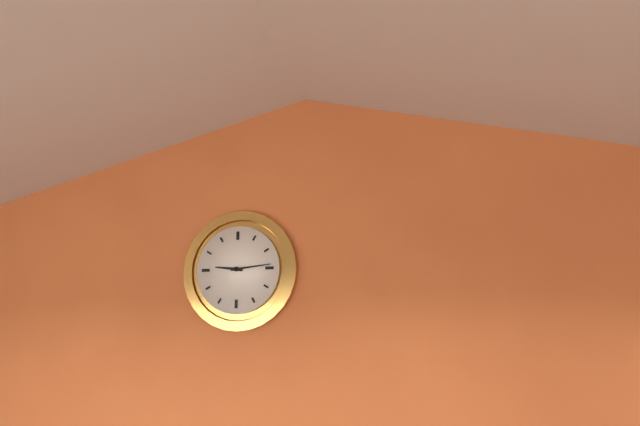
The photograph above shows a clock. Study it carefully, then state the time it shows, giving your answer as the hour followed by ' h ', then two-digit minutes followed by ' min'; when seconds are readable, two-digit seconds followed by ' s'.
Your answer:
9 h 14 min
